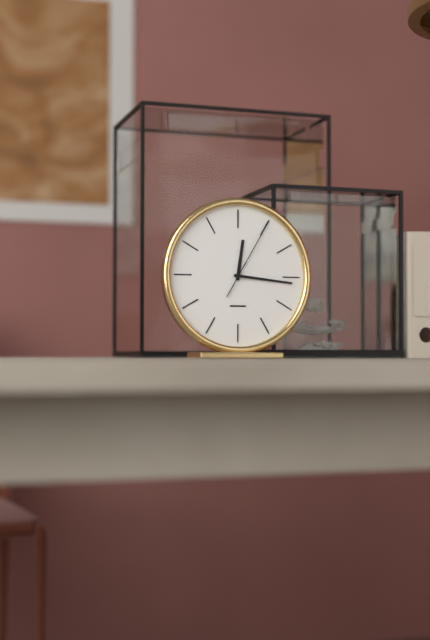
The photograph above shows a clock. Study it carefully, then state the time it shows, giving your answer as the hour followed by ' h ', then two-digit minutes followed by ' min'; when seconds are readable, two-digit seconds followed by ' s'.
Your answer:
12 h 16 min 05 s
